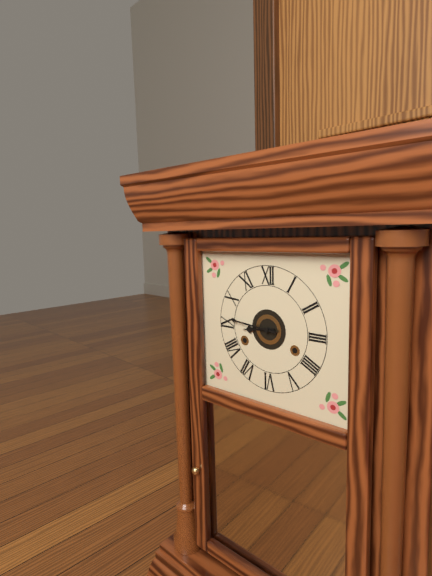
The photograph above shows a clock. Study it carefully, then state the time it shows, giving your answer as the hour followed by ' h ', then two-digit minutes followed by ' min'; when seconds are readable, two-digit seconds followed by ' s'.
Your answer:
8 h 46 min
